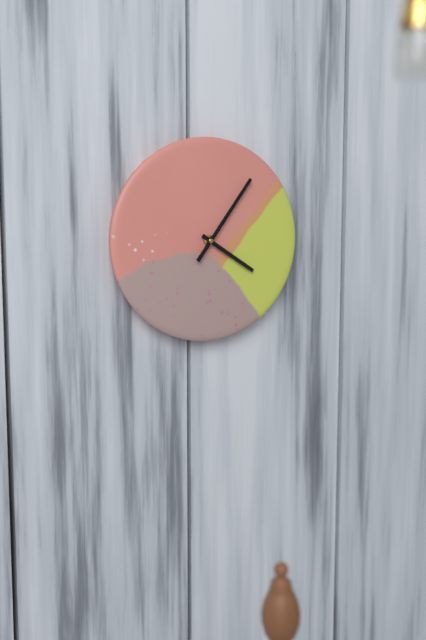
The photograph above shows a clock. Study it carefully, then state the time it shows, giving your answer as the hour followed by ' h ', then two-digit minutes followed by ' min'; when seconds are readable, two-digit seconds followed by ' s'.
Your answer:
4 h 06 min
